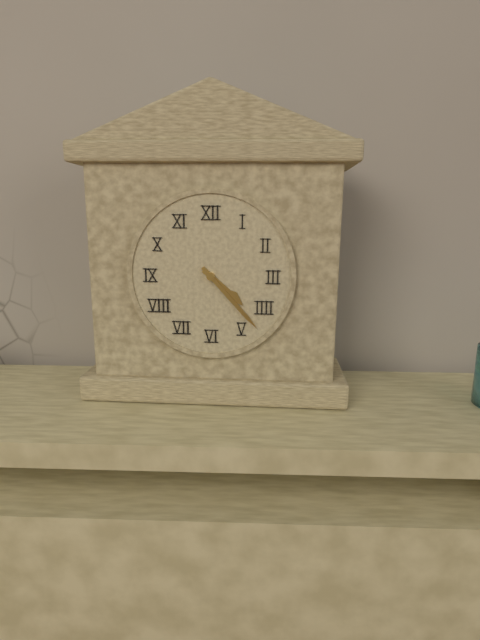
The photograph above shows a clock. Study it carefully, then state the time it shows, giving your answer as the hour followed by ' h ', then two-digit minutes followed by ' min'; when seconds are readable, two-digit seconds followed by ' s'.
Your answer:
4 h 23 min
